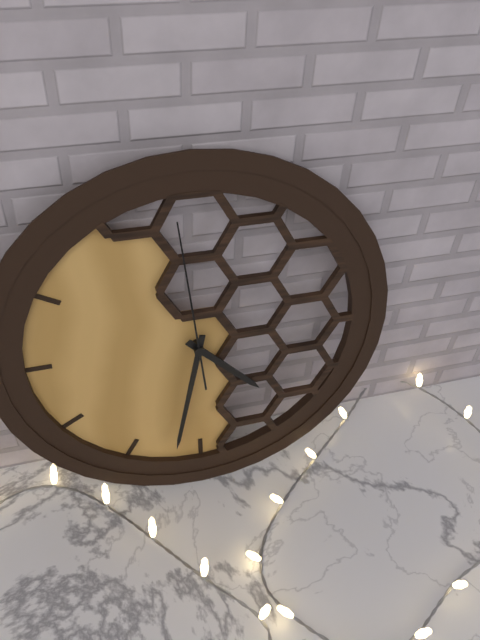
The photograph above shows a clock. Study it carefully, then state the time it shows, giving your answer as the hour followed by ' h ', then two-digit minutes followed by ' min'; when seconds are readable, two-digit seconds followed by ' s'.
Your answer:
4 h 32 min 59 s
